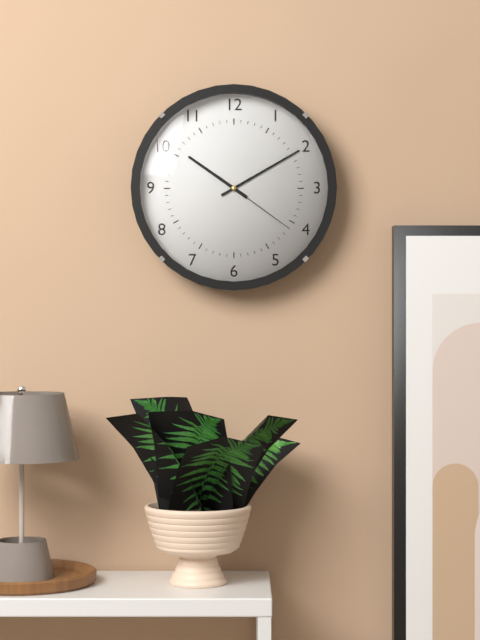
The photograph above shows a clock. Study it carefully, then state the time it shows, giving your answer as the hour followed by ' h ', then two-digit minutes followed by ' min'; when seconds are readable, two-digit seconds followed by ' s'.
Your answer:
10 h 10 min 21 s
